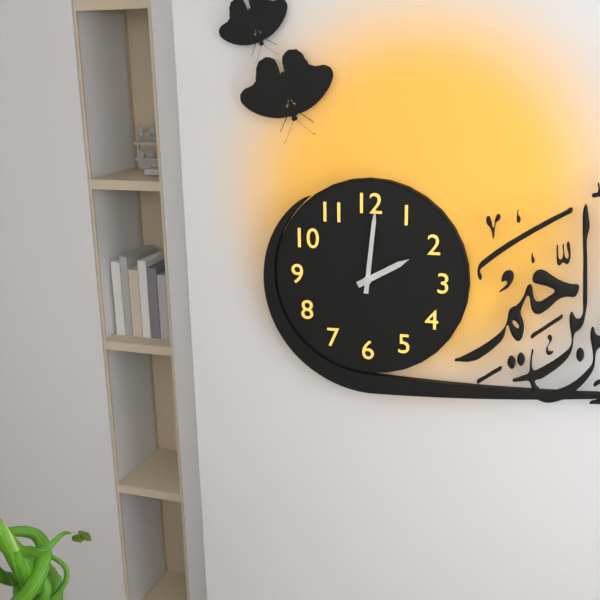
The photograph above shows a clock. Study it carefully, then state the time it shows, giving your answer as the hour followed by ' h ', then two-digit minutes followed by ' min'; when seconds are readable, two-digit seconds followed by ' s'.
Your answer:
2 h 01 min
